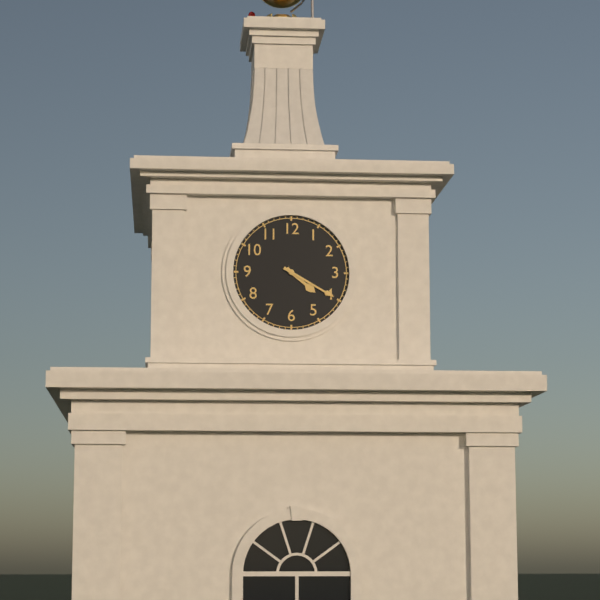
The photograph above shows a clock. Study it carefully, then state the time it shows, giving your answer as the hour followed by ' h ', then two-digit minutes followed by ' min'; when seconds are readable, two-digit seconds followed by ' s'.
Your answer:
4 h 20 min
